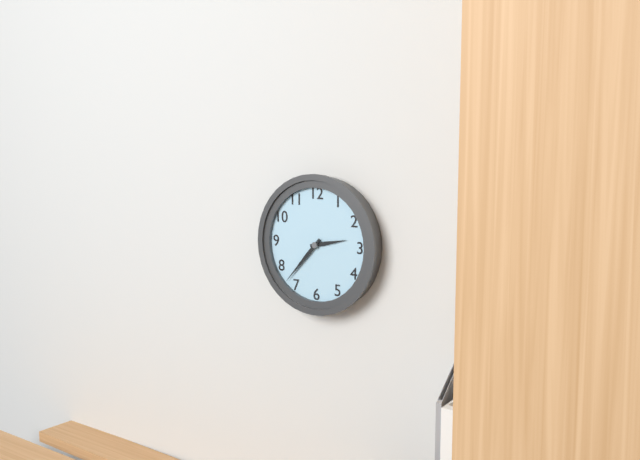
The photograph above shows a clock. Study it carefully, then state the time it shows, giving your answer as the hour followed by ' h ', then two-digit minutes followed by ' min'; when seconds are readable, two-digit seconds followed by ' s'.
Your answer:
2 h 37 min
